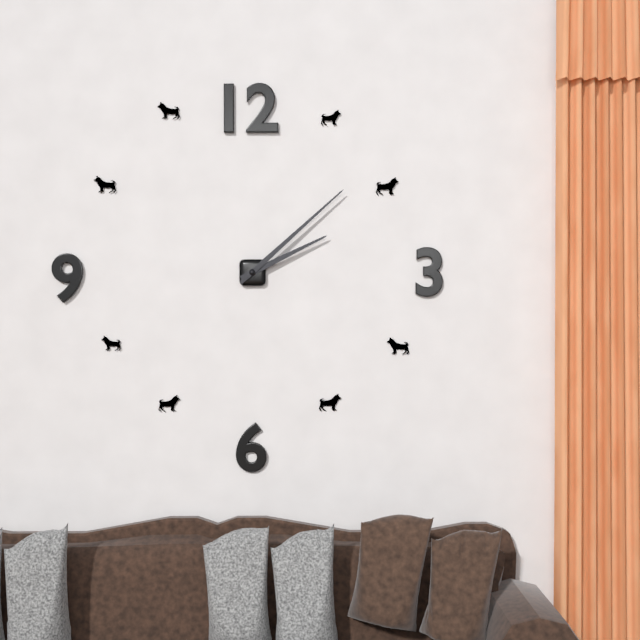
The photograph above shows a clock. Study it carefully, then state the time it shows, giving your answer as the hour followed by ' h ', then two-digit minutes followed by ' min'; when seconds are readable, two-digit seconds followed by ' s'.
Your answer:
2 h 08 min
